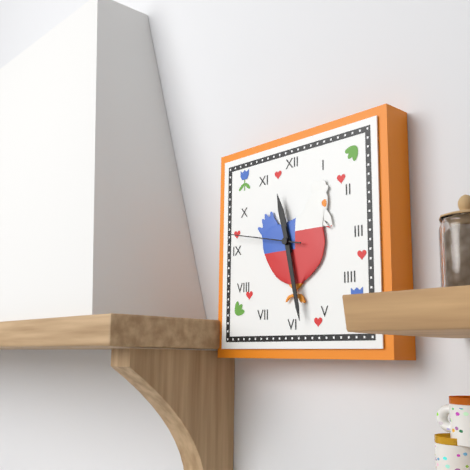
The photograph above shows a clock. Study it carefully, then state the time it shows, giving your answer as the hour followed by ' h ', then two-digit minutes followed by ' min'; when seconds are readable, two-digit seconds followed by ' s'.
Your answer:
11 h 28 min 47 s
